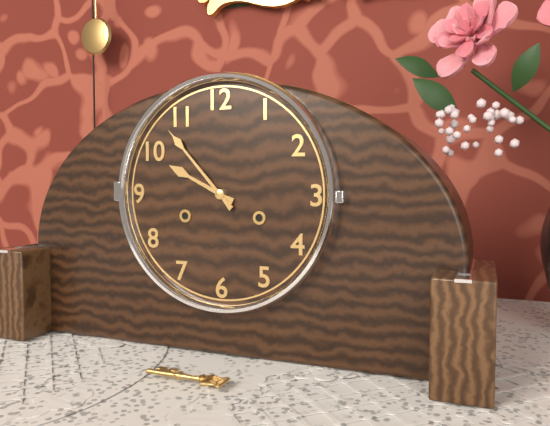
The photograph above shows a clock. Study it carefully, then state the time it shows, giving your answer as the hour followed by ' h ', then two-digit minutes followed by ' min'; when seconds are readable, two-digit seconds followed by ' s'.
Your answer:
9 h 53 min
